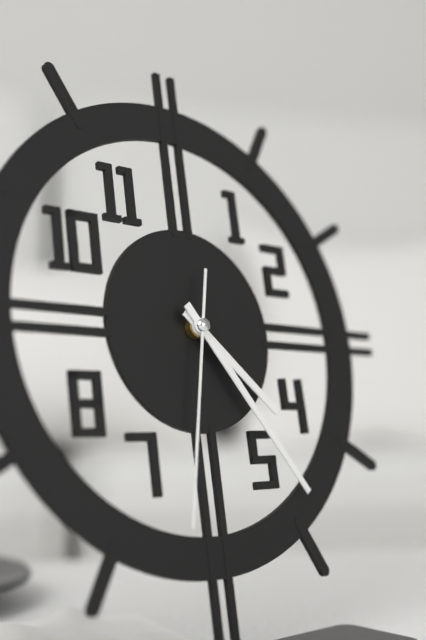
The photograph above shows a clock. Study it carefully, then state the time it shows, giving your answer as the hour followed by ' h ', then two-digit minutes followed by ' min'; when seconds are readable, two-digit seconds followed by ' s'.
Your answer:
4 h 24 min 32 s
